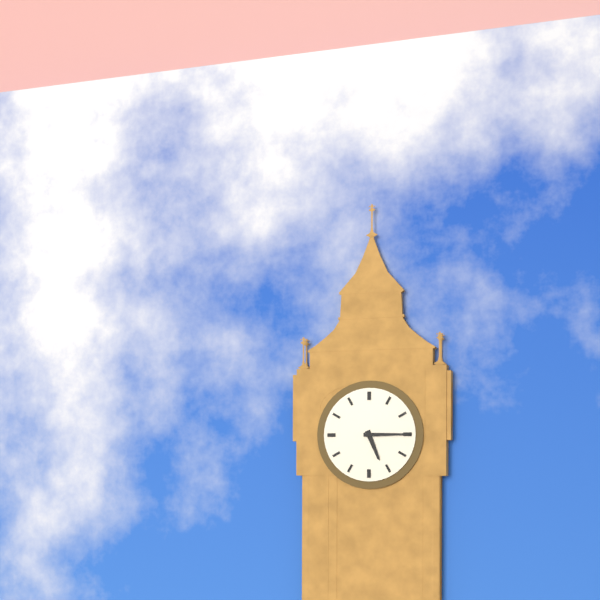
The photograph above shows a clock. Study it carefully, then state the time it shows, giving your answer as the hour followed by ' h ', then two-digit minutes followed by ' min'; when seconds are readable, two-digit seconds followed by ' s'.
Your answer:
5 h 15 min
